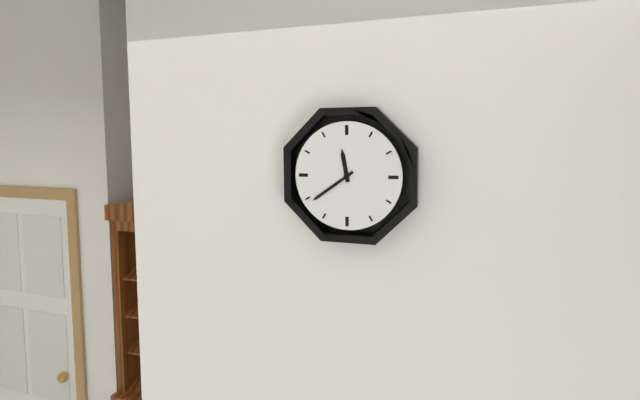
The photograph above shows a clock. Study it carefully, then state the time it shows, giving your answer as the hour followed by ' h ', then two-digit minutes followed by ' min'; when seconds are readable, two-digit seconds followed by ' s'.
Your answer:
11 h 39 min
